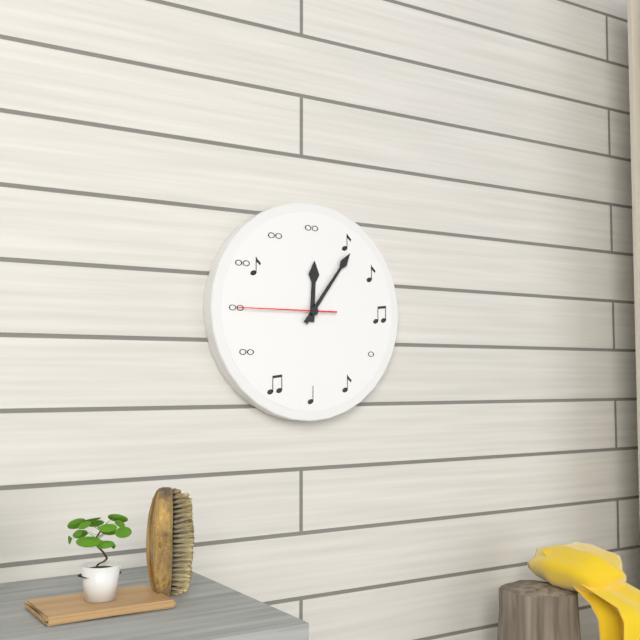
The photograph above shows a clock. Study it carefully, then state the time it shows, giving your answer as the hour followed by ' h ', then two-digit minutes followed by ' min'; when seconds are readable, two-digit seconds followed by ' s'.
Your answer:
12 h 06 min 45 s
